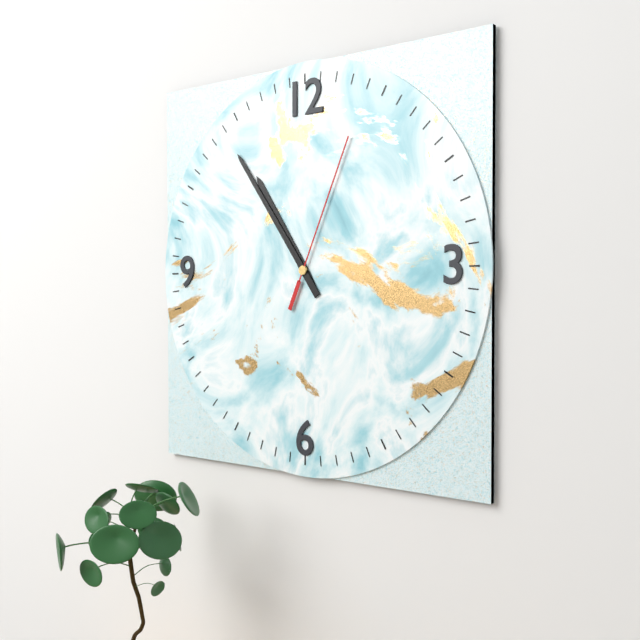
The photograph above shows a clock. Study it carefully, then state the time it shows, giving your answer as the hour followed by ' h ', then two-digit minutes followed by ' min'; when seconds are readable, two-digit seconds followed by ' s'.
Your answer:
10 h 54 min 04 s
